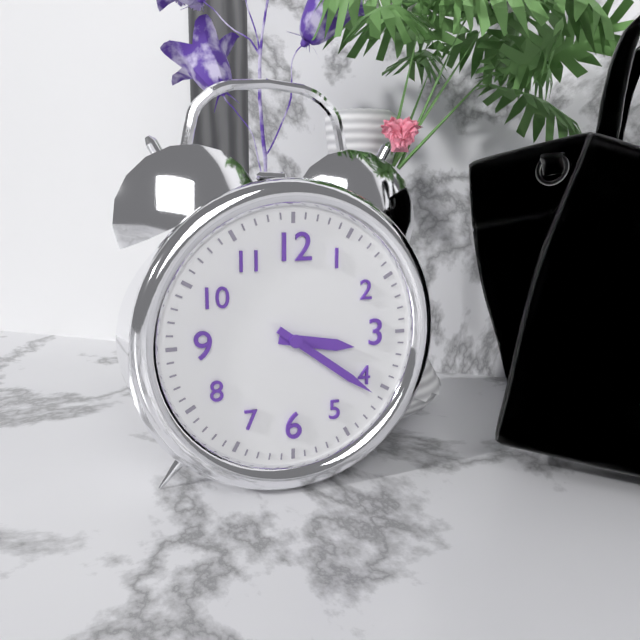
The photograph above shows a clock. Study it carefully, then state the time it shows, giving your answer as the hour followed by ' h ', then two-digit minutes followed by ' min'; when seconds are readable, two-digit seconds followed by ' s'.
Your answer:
3 h 21 min
